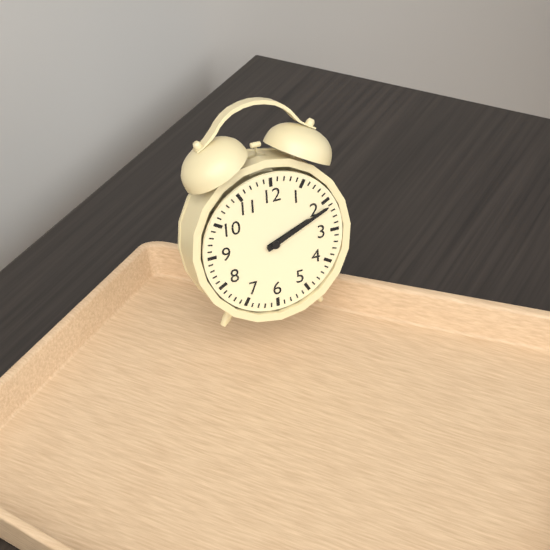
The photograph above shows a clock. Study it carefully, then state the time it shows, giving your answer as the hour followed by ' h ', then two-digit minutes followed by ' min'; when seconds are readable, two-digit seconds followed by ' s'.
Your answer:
2 h 11 min
